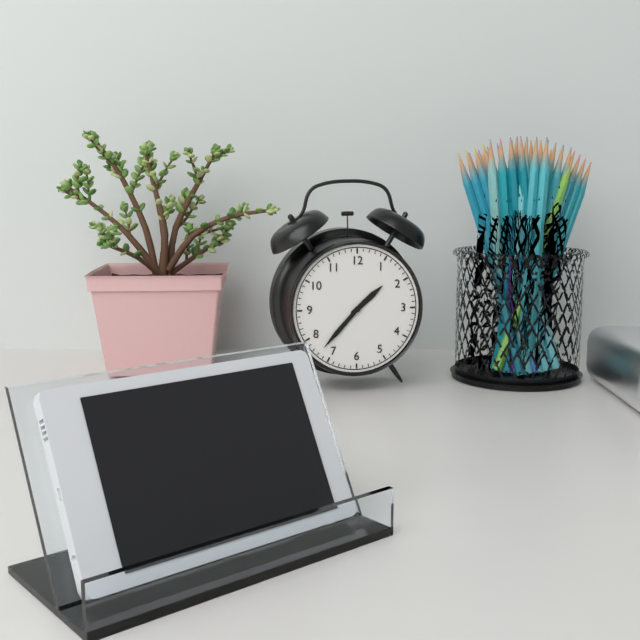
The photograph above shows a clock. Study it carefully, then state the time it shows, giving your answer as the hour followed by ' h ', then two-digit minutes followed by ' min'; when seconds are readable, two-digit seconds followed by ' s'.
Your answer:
1 h 37 min
